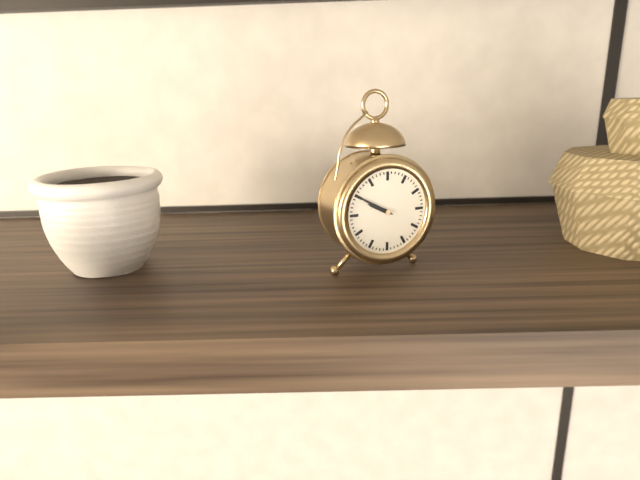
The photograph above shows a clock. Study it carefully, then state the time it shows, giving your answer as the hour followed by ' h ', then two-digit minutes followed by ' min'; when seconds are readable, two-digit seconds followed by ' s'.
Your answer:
9 h 50 min
